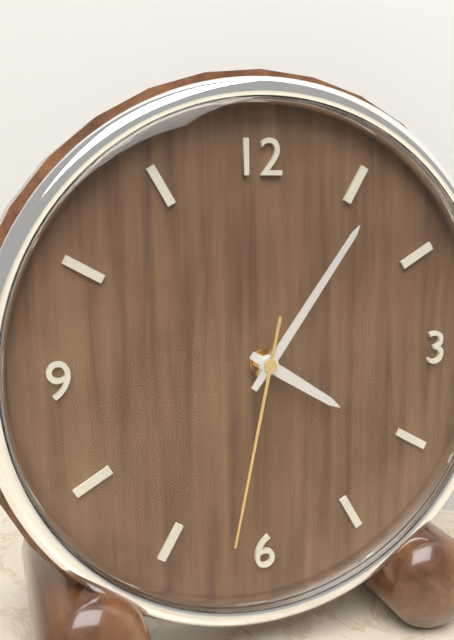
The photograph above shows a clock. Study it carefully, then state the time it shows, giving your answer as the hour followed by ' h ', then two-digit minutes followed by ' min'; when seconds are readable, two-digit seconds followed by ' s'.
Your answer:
4 h 06 min 32 s
